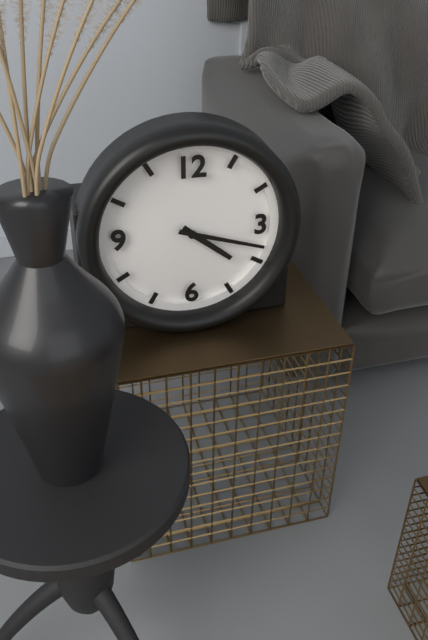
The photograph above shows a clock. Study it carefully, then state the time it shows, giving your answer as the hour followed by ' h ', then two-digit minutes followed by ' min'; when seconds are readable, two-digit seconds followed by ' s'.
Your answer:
4 h 18 min
